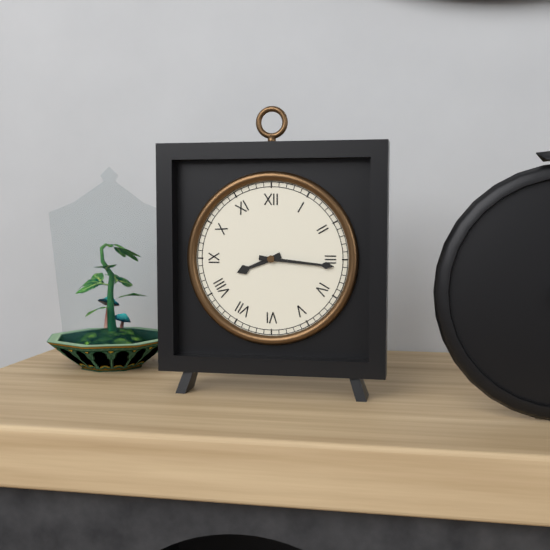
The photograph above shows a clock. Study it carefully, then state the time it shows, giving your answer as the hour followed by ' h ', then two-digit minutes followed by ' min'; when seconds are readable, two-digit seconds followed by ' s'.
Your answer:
8 h 16 min
